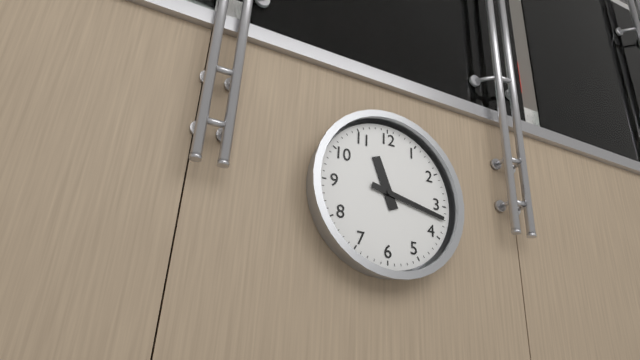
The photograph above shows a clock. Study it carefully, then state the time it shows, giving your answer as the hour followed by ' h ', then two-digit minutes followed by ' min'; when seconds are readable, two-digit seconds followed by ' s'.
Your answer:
11 h 17 min
